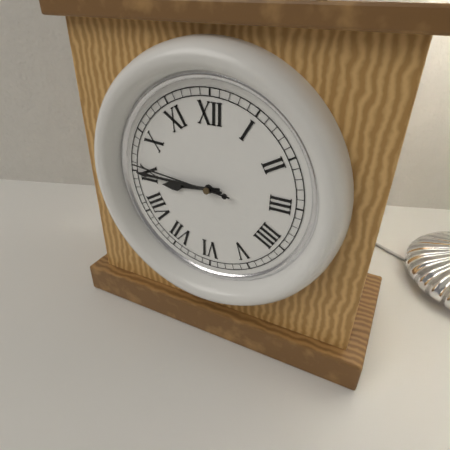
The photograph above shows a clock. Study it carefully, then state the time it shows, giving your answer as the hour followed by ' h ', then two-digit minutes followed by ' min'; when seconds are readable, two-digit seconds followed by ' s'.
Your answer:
8 h 45 min 46 s
